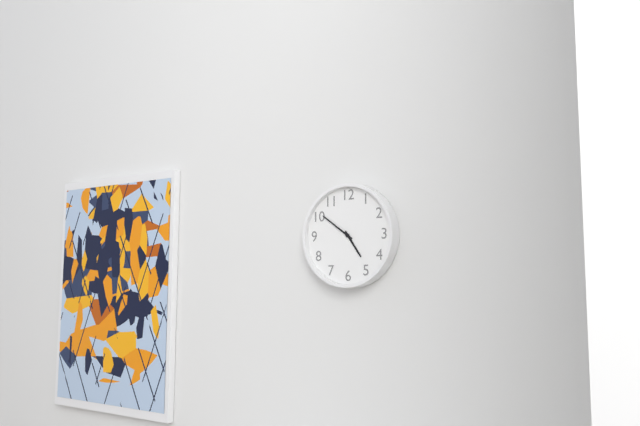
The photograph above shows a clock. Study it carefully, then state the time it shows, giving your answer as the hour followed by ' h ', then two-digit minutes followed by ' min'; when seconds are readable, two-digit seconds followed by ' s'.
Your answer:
4 h 51 min
